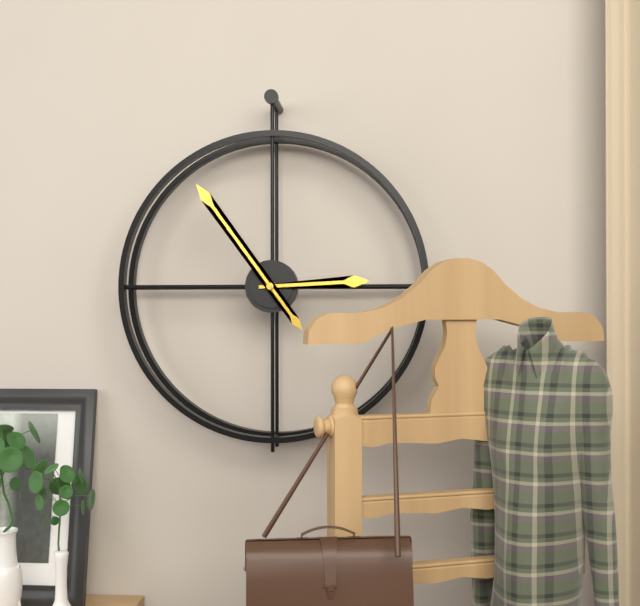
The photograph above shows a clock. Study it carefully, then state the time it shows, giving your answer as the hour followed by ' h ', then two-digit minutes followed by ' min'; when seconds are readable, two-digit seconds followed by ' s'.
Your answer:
2 h 54 min
